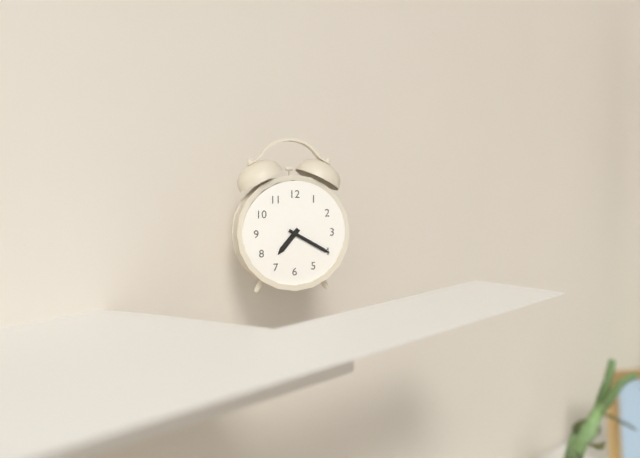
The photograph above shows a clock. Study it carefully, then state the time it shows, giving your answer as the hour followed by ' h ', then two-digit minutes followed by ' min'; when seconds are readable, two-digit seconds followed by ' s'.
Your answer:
7 h 20 min
